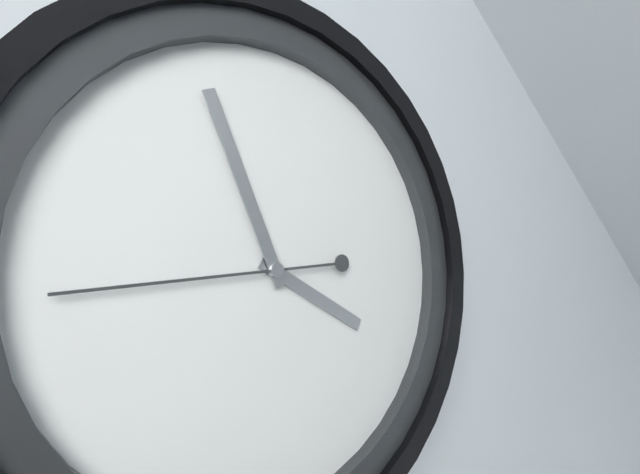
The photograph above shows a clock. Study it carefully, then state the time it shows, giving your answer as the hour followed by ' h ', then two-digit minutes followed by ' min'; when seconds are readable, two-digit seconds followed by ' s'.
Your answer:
3 h 56 min 44 s
